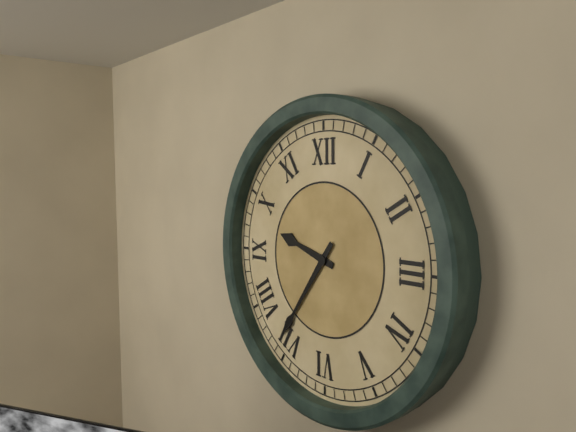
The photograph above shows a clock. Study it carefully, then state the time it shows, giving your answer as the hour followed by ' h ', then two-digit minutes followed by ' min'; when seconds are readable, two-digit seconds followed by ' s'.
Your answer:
9 h 36 min
